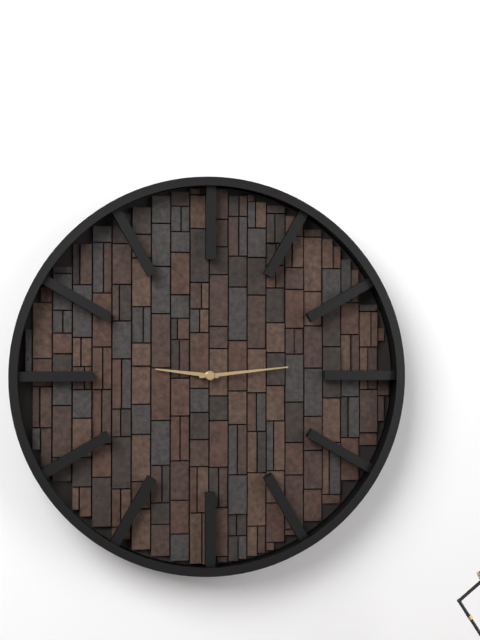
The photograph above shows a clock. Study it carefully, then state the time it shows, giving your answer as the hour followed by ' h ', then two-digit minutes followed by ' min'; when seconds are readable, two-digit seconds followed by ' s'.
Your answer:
9 h 14 min
